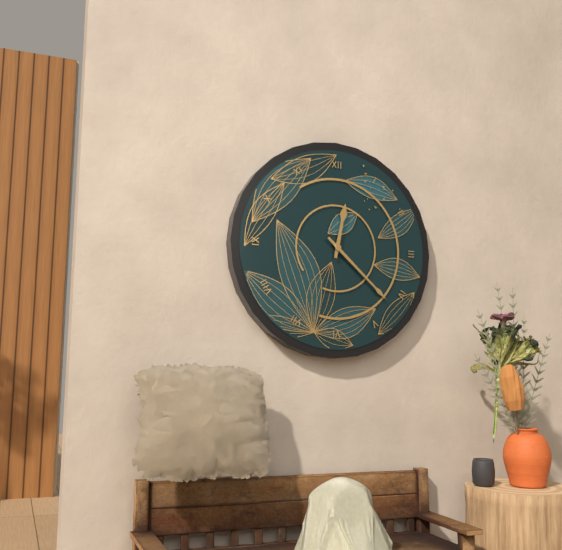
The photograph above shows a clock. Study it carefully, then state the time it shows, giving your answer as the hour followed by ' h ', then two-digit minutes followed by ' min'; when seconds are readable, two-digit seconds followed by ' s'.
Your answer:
12 h 22 min
